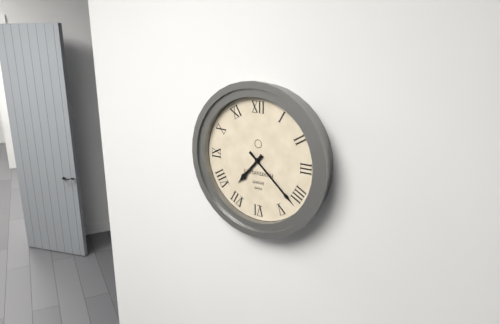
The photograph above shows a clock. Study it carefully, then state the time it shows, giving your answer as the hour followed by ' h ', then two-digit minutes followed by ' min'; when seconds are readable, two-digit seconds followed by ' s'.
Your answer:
7 h 22 min
